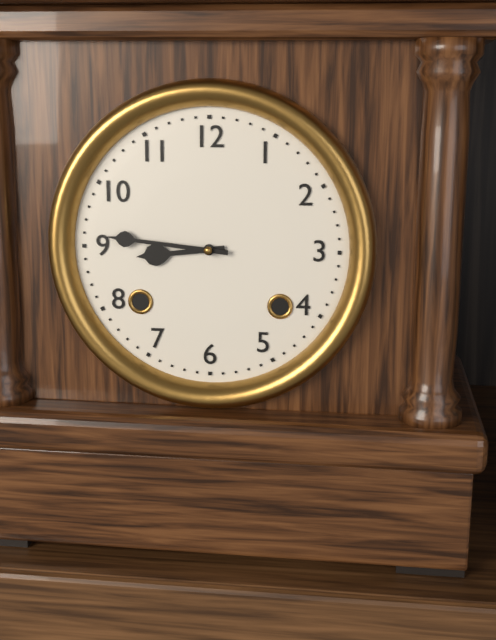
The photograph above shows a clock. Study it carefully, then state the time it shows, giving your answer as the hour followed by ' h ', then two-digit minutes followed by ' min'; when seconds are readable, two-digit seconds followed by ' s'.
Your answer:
8 h 46 min
